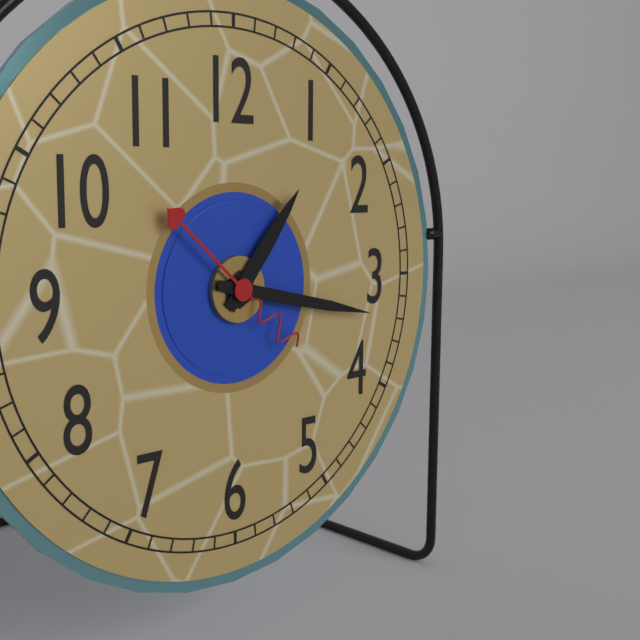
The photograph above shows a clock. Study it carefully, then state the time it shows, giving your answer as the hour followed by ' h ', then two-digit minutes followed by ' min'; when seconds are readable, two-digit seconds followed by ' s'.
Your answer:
1 h 17 min 52 s
